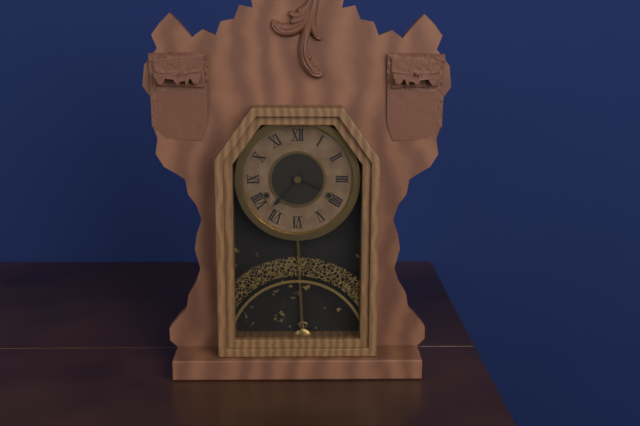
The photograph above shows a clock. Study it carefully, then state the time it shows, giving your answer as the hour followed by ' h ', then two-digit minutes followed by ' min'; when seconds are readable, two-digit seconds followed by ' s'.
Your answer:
3 h 37 min
